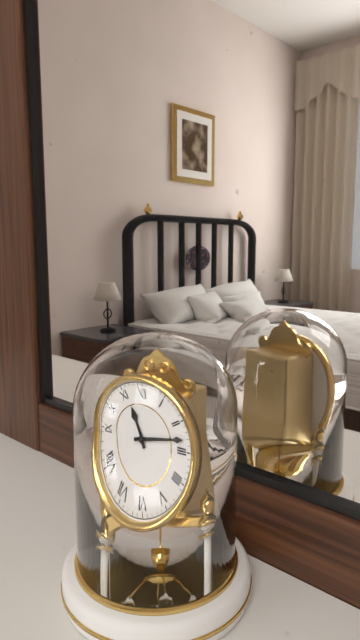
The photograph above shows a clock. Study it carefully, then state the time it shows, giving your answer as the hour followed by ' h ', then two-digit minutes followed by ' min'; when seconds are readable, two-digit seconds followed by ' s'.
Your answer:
11 h 13 min
